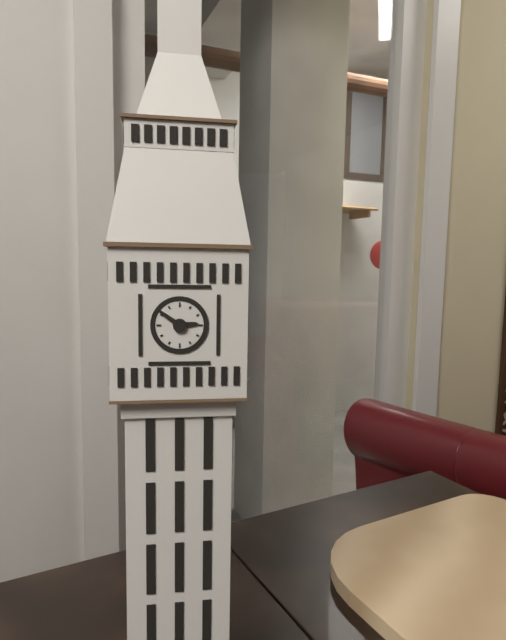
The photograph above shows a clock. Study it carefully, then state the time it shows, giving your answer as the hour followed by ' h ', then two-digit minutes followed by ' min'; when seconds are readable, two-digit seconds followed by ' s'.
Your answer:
2 h 51 min
